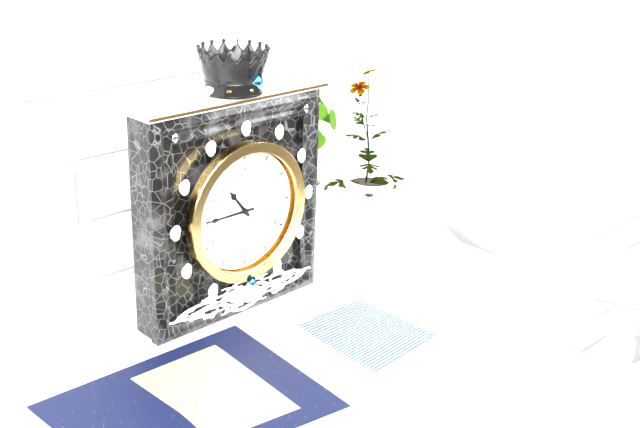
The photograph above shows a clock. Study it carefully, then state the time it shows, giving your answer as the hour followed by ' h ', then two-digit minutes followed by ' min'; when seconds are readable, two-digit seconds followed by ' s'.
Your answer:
10 h 45 min
